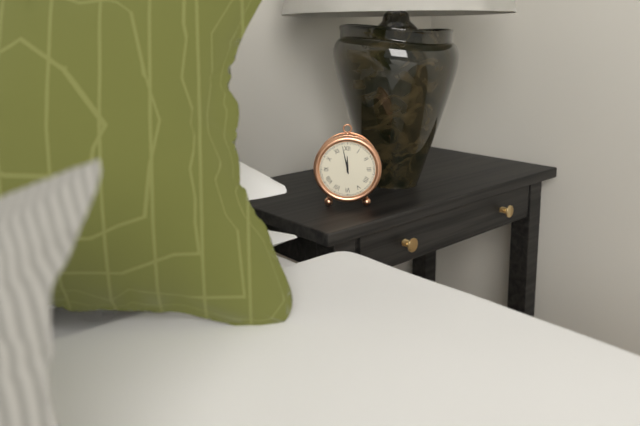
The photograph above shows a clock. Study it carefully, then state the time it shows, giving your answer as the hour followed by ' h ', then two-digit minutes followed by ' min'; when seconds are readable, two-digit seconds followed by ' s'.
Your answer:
11 h 58 min
